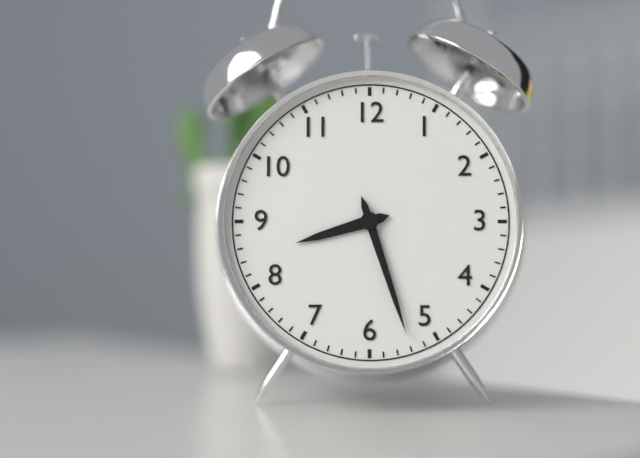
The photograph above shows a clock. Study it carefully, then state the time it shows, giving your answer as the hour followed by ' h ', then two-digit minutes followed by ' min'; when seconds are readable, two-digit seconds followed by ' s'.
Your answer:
8 h 27 min
